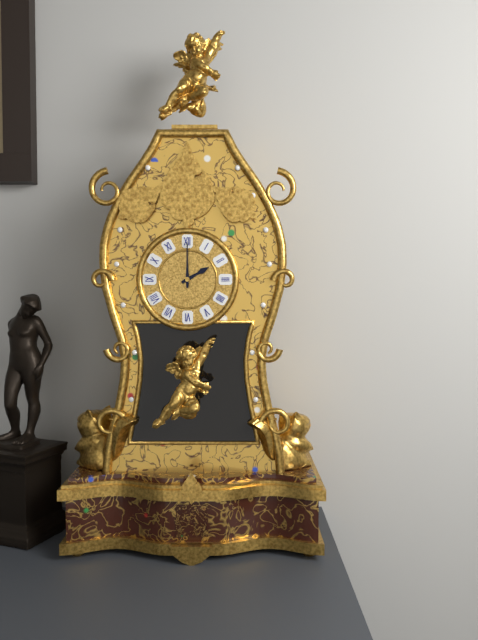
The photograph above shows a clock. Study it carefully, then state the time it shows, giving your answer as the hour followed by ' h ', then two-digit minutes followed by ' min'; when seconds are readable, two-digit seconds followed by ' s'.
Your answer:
2 h 00 min
